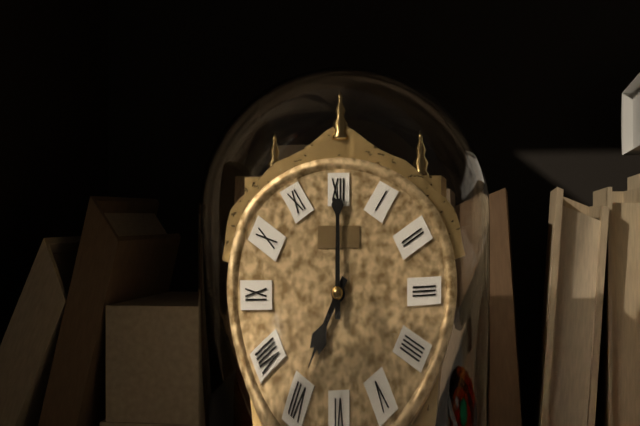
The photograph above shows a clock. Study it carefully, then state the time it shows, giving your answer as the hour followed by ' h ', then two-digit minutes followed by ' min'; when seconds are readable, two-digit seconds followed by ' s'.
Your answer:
7 h 00 min
